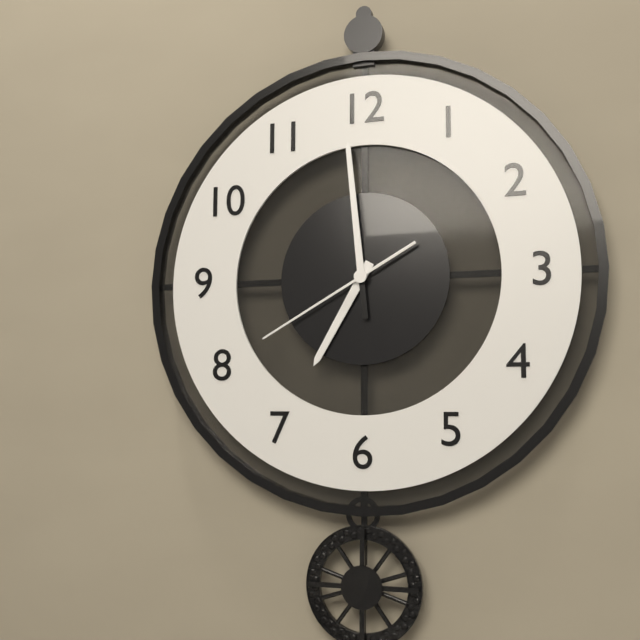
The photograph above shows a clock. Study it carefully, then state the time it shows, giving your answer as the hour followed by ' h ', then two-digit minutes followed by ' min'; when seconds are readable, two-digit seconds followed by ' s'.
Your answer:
6 h 59 min 40 s
